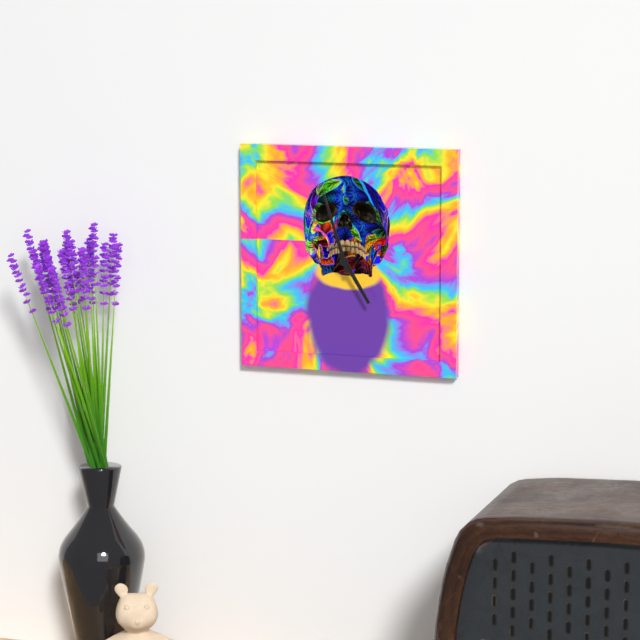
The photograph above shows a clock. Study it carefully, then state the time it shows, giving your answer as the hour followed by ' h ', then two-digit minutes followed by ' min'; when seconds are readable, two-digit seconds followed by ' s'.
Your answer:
4 h 57 min
